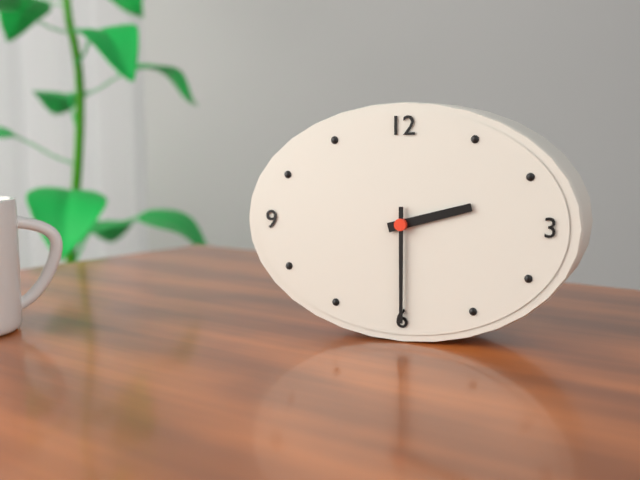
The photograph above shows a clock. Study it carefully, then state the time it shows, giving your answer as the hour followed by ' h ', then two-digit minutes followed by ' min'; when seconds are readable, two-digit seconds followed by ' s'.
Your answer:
2 h 30 min
